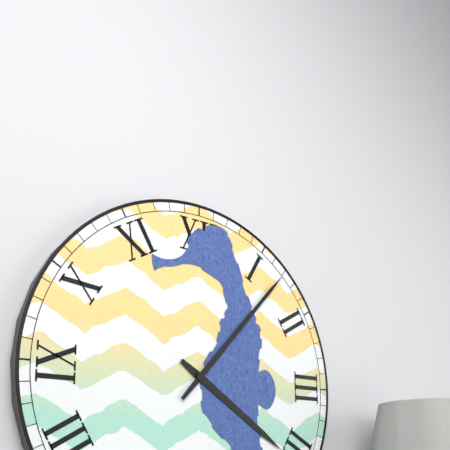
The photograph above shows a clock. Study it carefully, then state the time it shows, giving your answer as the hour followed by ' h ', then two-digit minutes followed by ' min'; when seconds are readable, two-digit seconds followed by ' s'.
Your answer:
4 h 07 min
